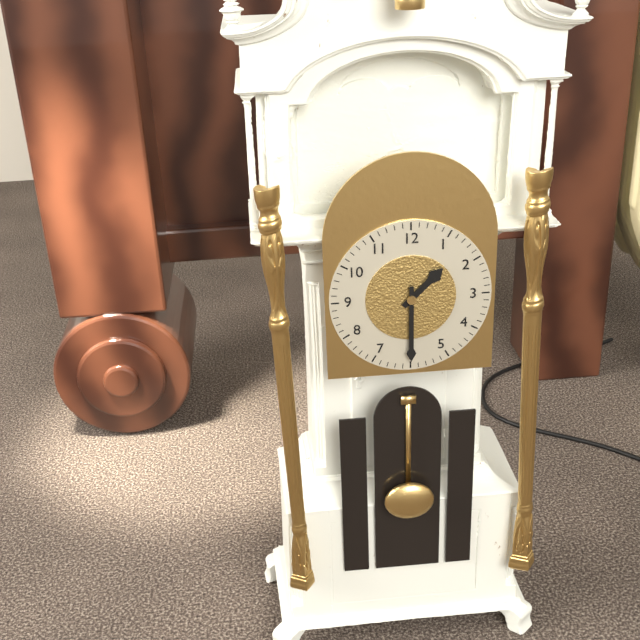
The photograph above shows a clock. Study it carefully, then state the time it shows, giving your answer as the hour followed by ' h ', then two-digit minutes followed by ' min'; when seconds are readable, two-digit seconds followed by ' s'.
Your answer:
1 h 30 min
